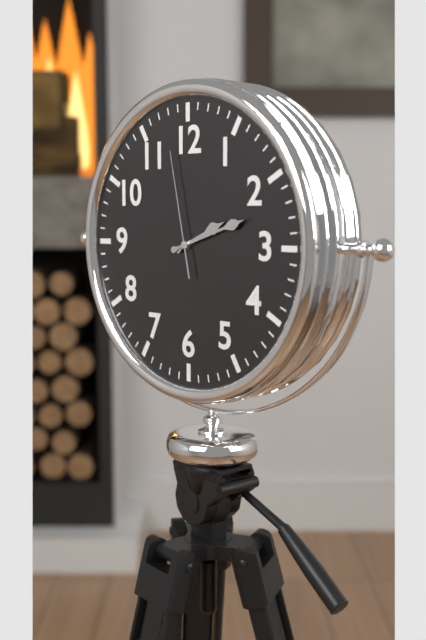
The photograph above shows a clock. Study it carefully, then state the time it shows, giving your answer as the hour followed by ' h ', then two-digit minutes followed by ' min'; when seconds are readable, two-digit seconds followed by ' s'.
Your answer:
2 h 12 min 58 s
